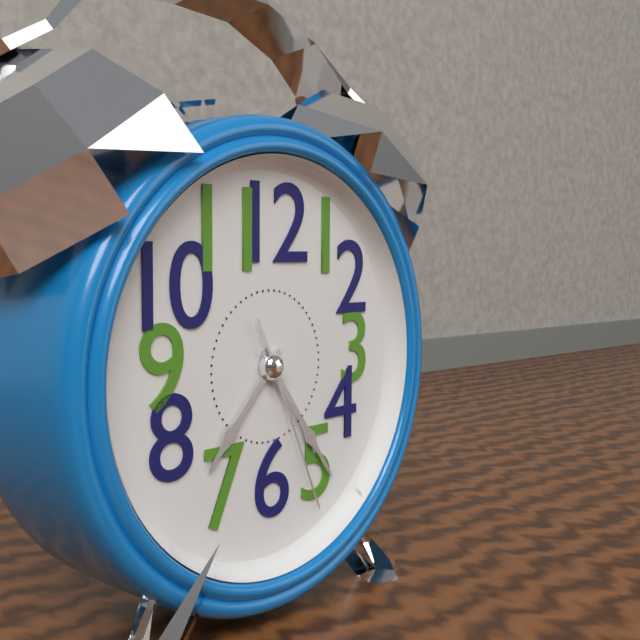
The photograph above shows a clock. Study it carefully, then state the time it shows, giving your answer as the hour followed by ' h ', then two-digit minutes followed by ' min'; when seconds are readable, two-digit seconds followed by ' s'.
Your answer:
7 h 24 min 26 s
